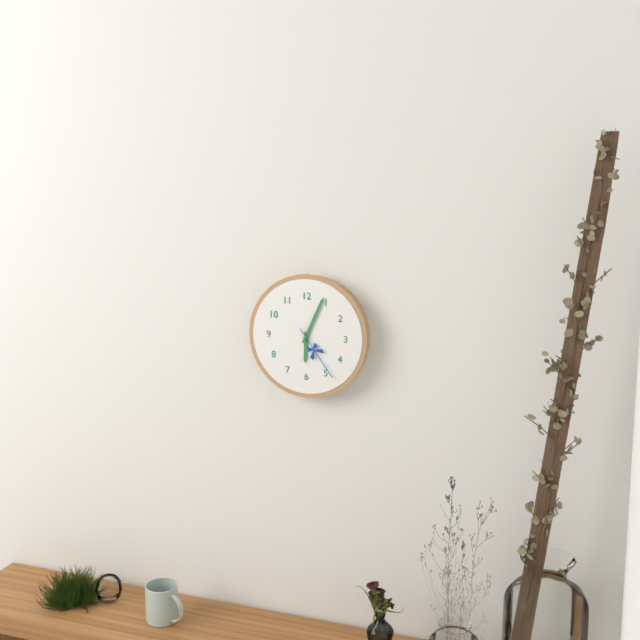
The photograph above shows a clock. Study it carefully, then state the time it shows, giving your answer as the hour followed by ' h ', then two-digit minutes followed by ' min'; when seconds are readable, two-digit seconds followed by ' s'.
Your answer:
6 h 04 min 24 s
